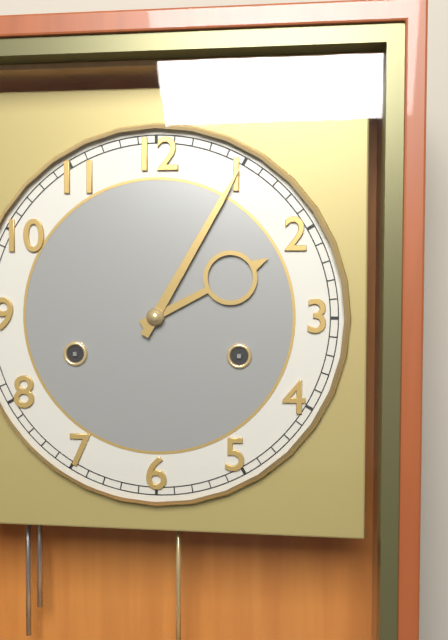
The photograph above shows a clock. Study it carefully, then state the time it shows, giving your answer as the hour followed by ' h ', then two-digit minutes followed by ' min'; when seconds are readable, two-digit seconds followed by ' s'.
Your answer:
2 h 05 min
